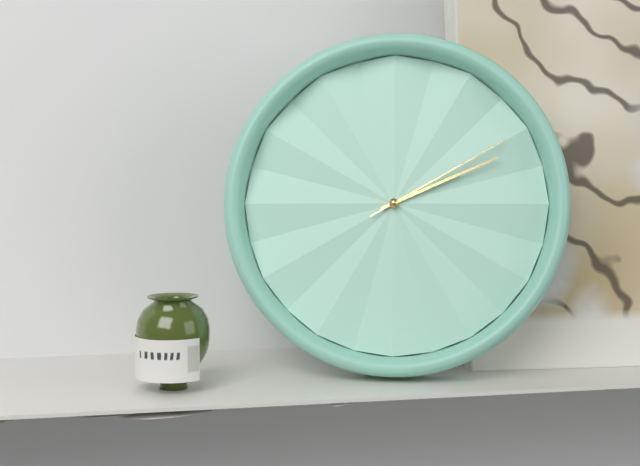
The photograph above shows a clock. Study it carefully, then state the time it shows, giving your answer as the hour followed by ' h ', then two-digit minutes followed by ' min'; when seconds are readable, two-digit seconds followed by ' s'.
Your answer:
2 h 11 min 10 s
